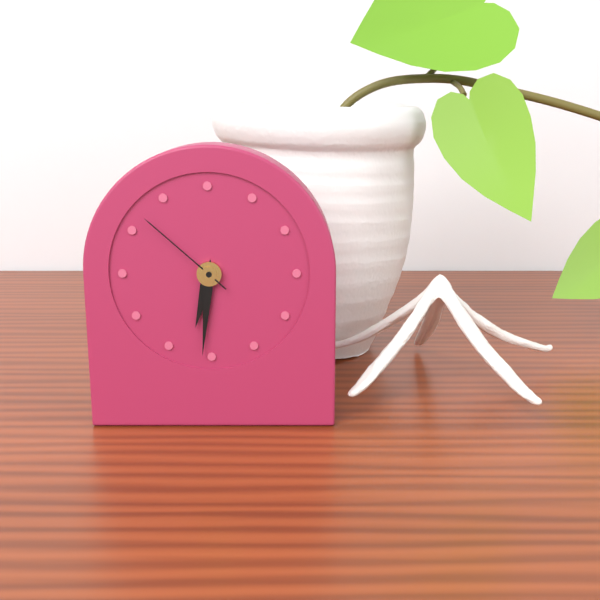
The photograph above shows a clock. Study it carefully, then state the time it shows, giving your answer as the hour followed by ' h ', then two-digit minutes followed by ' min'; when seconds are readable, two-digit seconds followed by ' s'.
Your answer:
6 h 31 min 52 s
